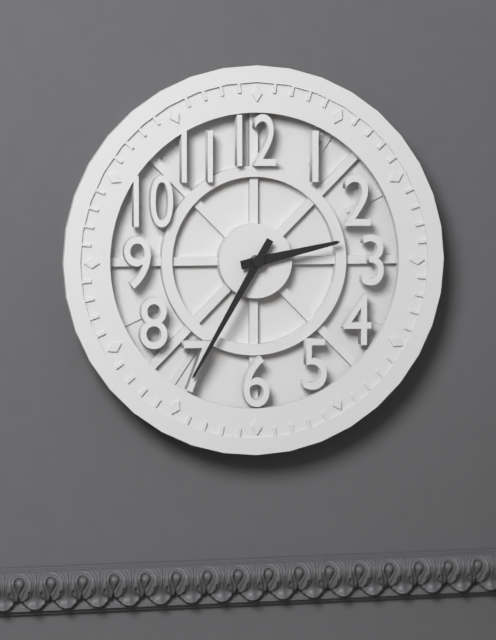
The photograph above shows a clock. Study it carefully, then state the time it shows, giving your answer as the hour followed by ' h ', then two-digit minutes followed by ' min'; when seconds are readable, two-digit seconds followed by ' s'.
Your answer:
2 h 35 min
